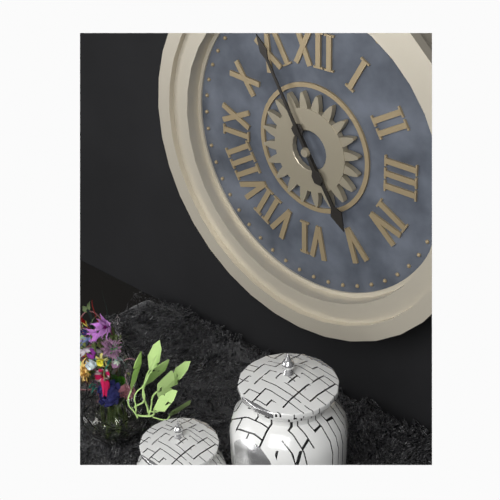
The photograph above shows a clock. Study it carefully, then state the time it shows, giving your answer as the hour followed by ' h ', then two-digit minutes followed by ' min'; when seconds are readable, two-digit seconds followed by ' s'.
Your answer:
4 h 55 min
